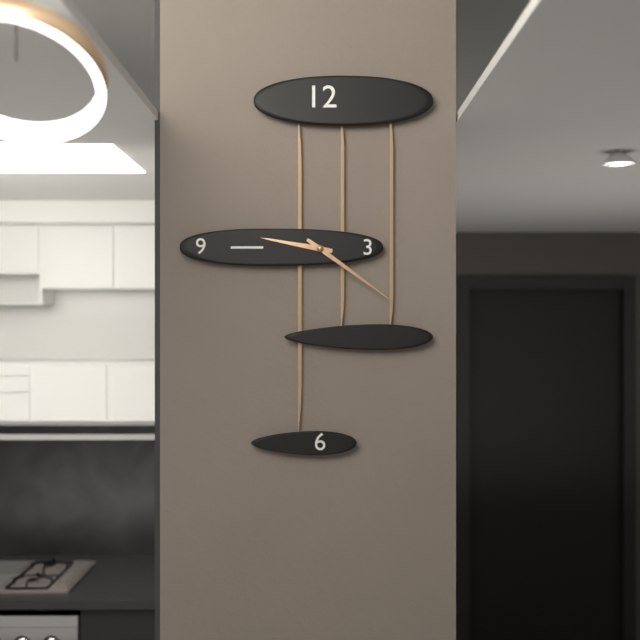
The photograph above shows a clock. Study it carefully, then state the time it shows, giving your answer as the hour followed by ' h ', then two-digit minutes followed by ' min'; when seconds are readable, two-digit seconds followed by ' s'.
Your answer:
9 h 21 min
